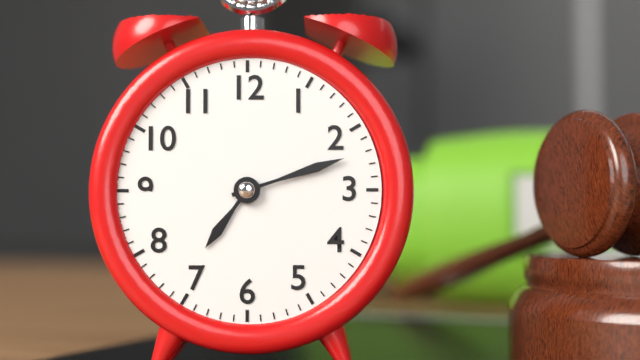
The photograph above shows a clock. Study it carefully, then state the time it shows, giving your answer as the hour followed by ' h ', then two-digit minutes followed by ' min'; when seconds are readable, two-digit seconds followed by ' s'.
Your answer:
7 h 12 min
